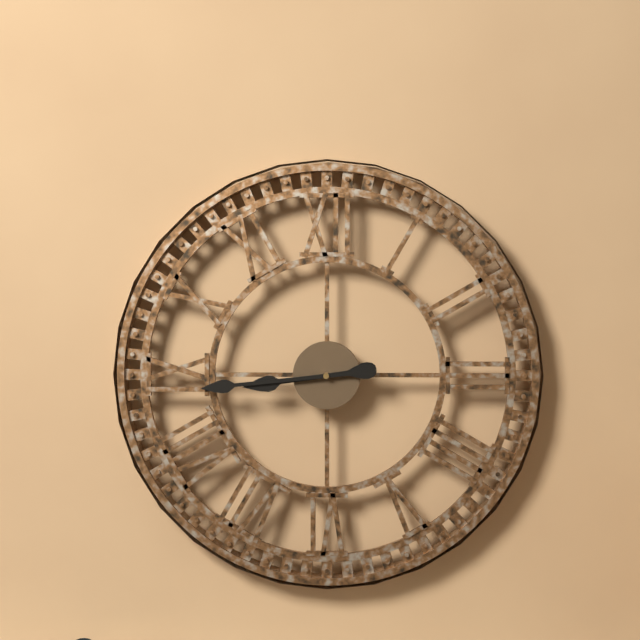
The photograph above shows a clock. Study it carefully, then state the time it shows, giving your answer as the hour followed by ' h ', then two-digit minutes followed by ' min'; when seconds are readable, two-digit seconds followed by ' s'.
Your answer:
8 h 44 min
